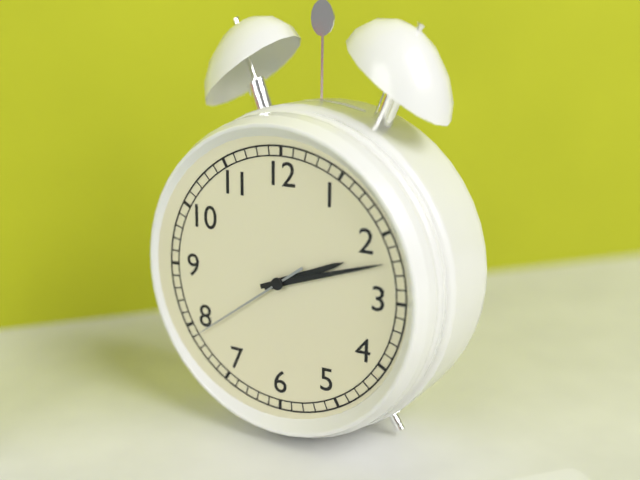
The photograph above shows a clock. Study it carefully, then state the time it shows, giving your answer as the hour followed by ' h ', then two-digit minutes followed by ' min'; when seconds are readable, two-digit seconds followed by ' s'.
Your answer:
2 h 12 min 39 s
